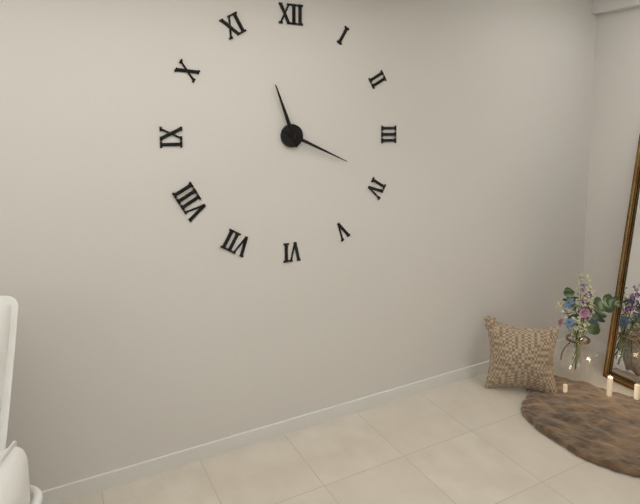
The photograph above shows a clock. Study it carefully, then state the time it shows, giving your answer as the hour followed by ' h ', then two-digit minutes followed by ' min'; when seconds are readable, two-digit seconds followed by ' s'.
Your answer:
11 h 19 min
